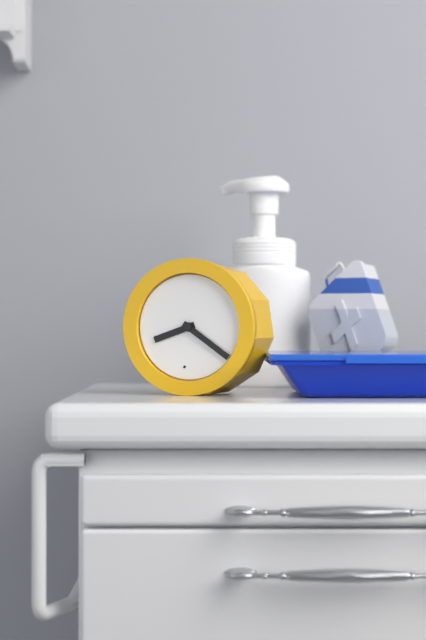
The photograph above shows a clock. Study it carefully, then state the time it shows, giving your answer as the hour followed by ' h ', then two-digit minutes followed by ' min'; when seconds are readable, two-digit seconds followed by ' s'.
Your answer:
8 h 21 min
